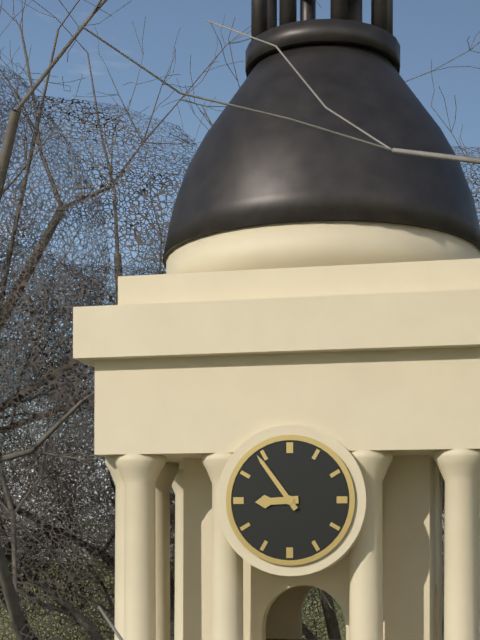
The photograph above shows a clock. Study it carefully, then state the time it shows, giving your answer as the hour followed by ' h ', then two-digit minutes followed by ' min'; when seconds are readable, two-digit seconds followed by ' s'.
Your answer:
8 h 54 min
